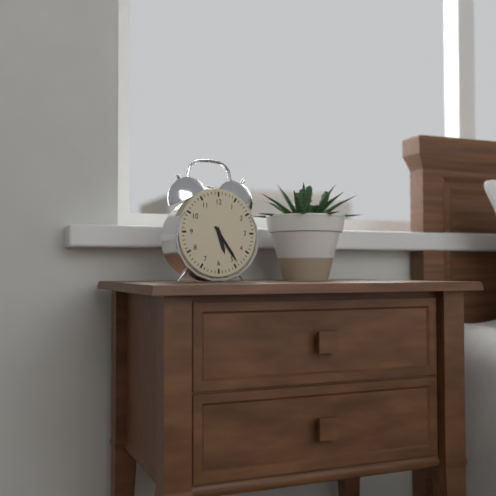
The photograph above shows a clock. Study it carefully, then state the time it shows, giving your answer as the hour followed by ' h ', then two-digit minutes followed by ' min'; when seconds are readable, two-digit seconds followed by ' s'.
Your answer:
5 h 24 min
